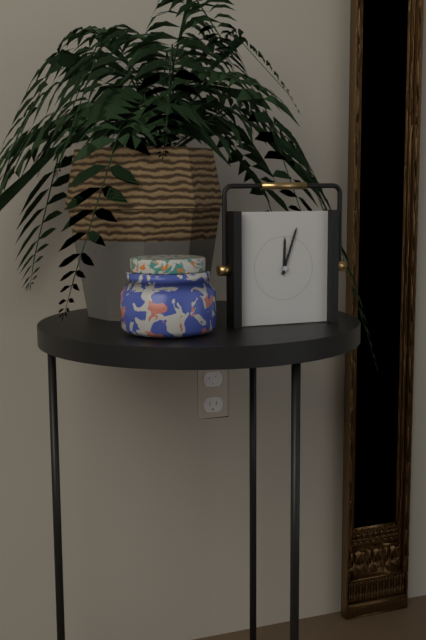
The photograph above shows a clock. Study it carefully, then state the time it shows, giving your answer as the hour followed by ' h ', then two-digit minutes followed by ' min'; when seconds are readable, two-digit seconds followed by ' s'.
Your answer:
12 h 03 min
